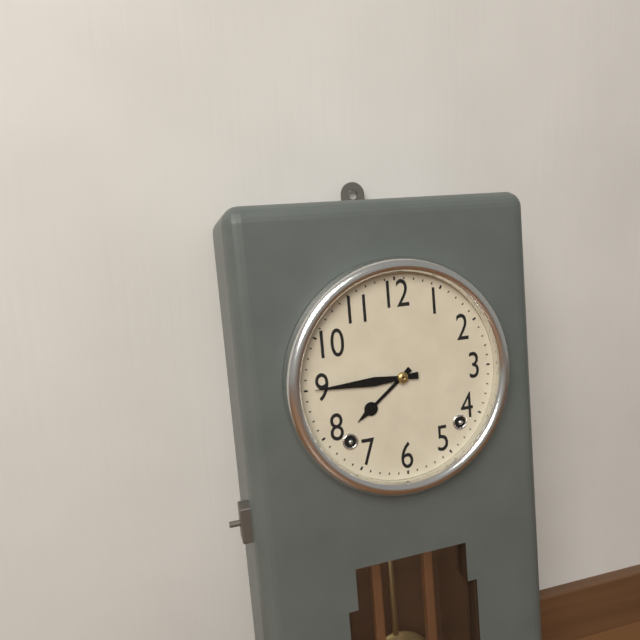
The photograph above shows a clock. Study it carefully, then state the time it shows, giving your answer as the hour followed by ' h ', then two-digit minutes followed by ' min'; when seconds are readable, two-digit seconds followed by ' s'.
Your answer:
7 h 45 min
